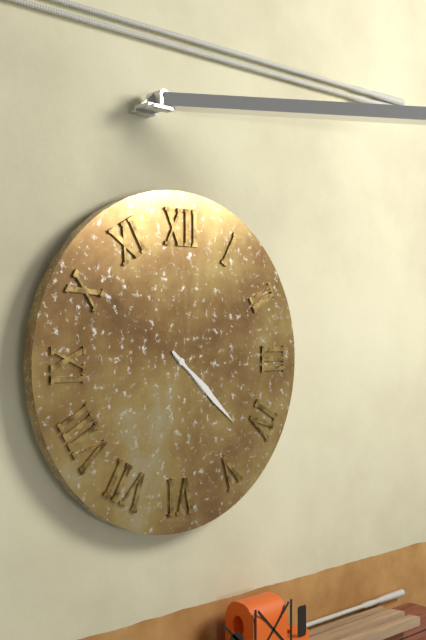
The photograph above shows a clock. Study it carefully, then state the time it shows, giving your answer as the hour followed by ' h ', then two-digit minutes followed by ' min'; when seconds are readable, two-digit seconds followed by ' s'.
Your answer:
4 h 22 min
